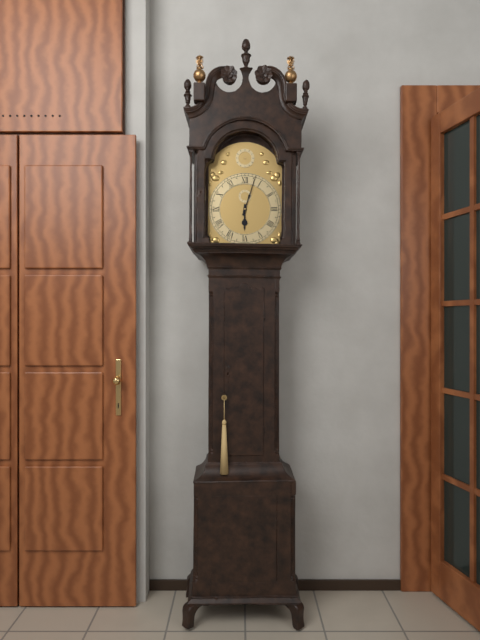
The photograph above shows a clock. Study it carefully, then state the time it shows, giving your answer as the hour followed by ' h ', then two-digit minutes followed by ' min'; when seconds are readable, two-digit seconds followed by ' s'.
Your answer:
6 h 03 min
